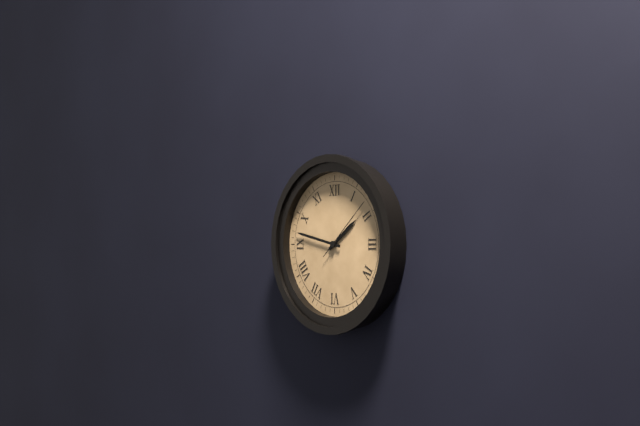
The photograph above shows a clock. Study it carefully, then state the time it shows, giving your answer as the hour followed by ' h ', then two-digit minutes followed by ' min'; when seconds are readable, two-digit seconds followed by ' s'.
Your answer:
1 h 47 min 08 s
